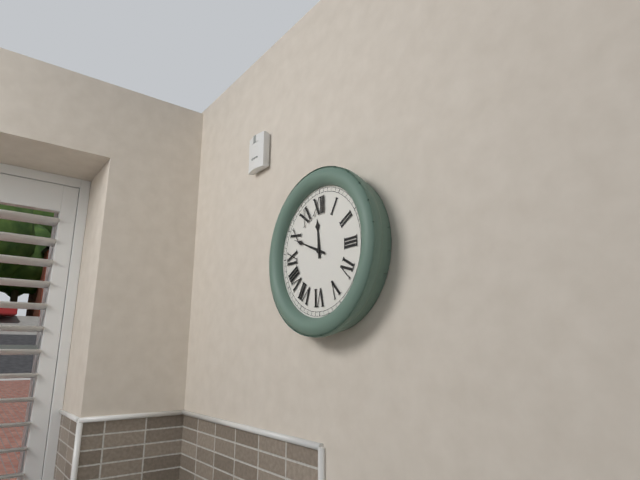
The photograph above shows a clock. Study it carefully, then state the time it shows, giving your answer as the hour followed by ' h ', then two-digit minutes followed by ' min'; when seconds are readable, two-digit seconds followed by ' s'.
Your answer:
11 h 49 min
